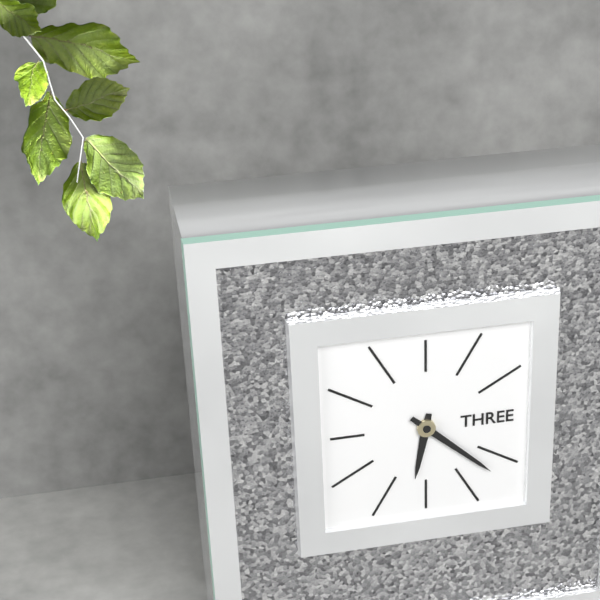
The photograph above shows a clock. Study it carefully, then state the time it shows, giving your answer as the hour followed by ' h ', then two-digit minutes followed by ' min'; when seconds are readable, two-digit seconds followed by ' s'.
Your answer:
6 h 22 min
